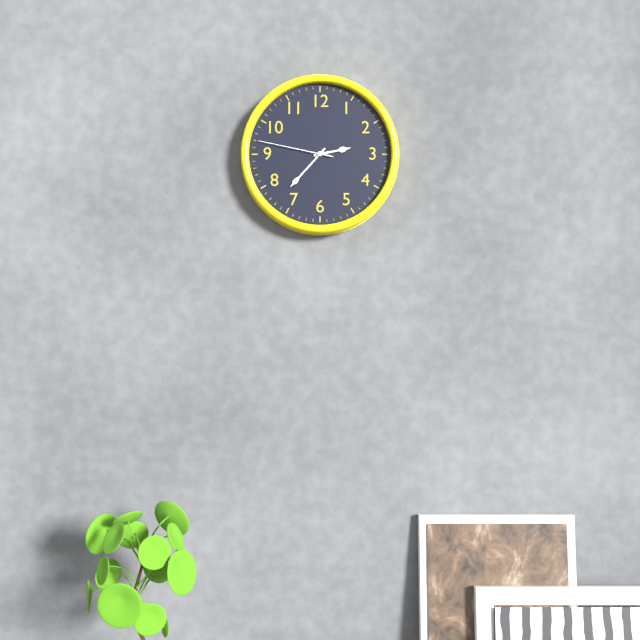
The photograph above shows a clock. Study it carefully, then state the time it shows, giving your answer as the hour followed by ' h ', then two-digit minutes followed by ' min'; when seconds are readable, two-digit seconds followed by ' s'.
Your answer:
2 h 37 min 47 s
